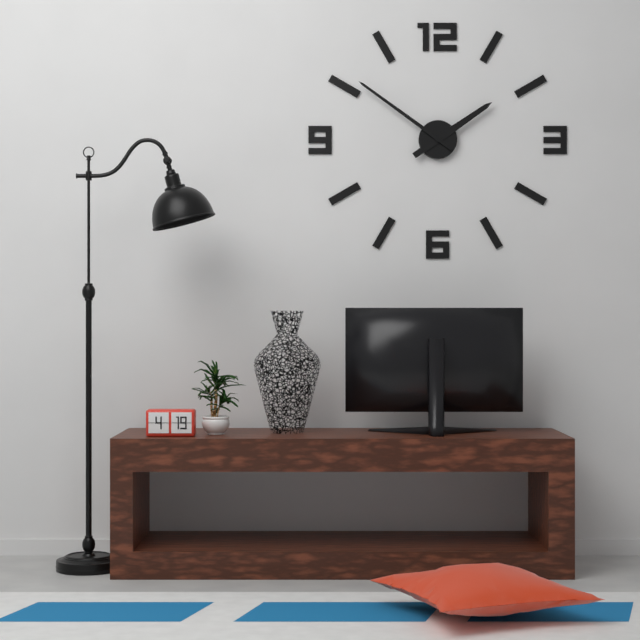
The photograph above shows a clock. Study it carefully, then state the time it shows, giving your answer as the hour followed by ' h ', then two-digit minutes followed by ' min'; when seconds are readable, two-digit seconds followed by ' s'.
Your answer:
1 h 51 min
